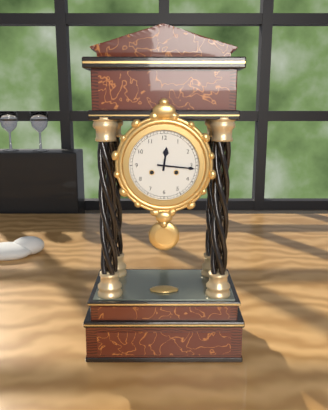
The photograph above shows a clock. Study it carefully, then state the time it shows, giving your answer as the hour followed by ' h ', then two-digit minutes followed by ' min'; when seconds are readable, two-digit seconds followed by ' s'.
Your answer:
12 h 16 min
